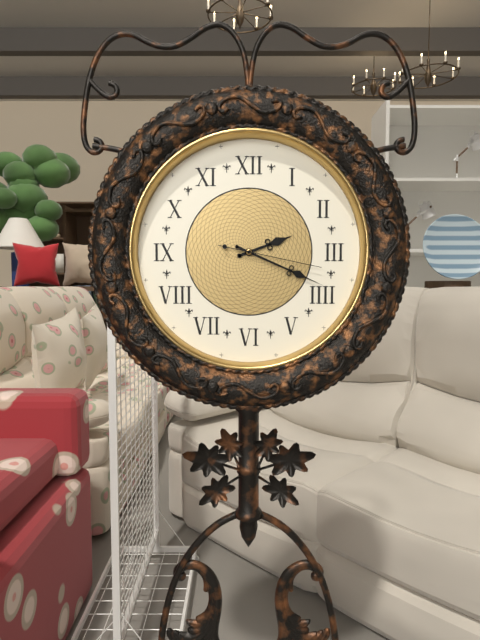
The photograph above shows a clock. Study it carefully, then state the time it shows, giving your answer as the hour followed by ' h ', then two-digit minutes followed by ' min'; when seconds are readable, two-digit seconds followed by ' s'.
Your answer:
2 h 19 min 17 s
